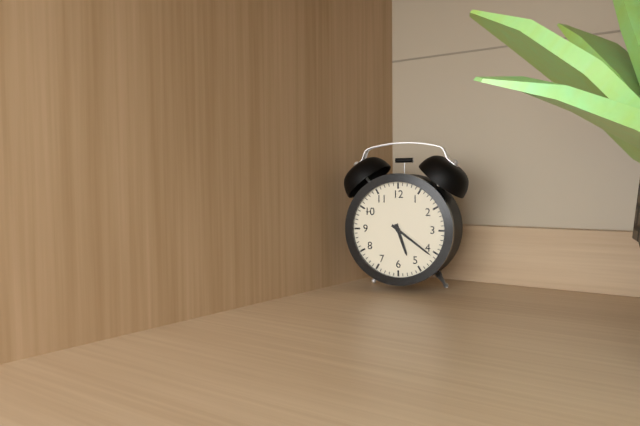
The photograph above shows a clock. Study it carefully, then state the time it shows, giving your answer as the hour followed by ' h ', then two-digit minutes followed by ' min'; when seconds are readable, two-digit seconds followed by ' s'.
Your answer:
5 h 21 min
